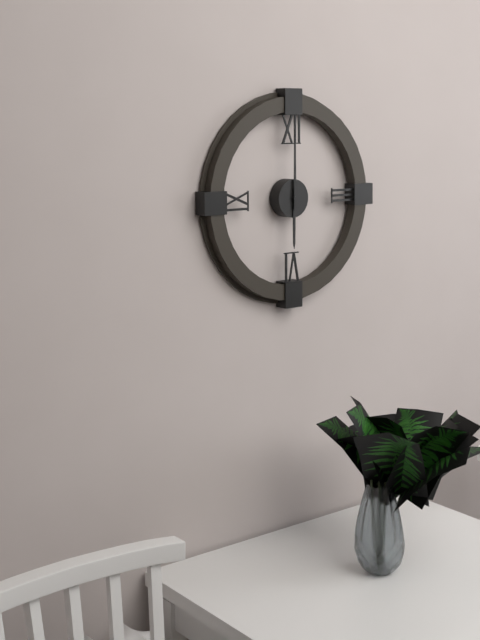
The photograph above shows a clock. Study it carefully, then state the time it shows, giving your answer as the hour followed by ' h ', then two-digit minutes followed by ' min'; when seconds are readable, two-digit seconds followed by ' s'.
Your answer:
6 h 00 min
